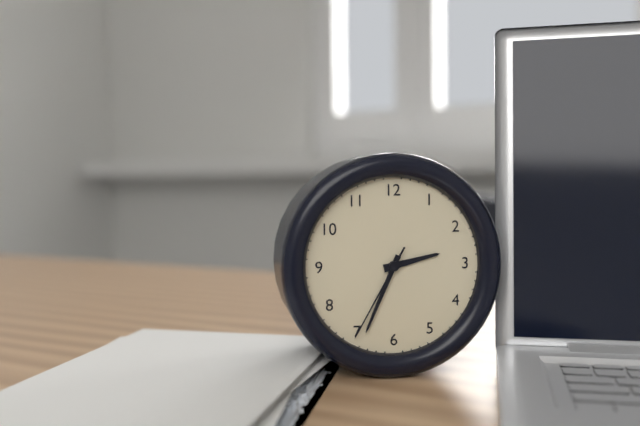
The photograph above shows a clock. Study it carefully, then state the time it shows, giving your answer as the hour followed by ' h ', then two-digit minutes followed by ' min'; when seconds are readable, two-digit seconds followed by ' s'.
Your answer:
2 h 34 min 35 s
